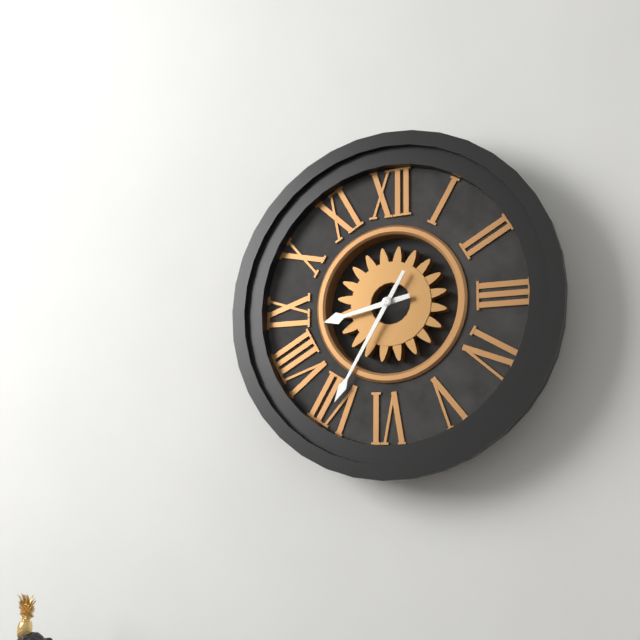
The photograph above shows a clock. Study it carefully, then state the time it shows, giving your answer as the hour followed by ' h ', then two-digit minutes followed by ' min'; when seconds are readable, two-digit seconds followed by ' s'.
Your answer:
8 h 35 min
